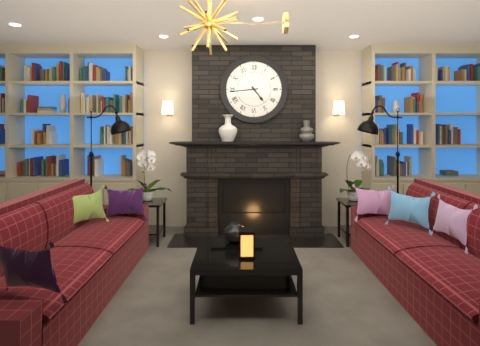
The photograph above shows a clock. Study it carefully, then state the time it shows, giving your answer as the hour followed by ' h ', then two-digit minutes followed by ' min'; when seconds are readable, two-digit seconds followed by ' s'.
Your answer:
4 h 44 min
